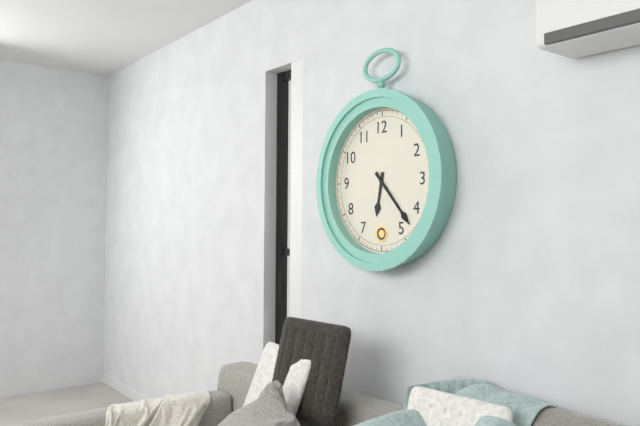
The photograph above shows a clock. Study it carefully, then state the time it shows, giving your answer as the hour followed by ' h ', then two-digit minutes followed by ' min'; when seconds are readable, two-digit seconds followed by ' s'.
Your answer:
6 h 23 min
